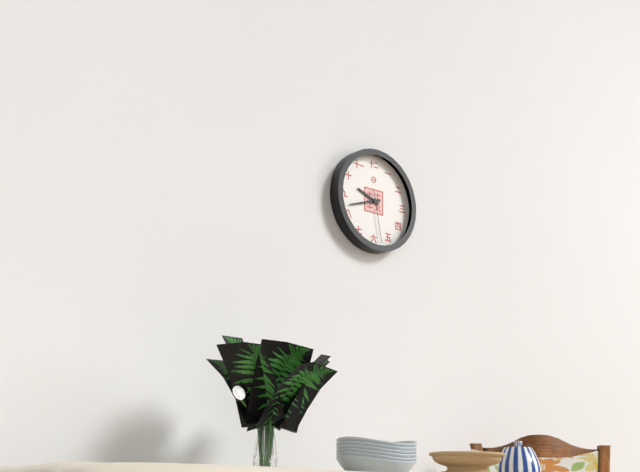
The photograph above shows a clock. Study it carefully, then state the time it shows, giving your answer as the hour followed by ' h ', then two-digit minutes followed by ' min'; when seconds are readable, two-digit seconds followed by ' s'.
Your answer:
9 h 42 min 28 s
